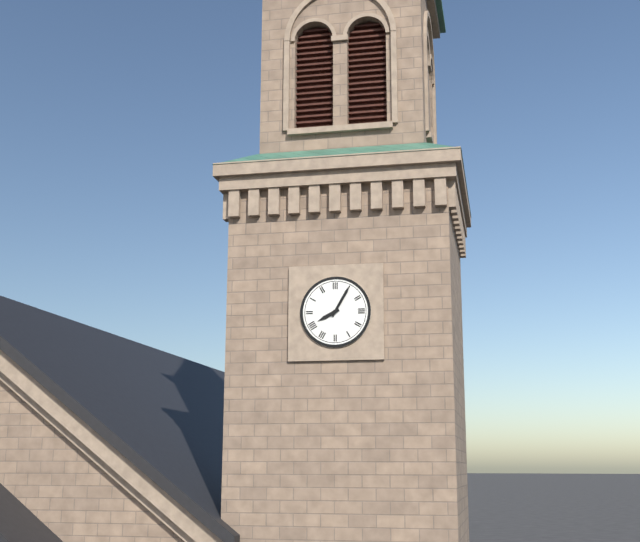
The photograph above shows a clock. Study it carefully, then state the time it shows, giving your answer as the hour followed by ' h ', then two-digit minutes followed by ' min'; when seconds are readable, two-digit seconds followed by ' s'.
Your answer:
8 h 05 min
